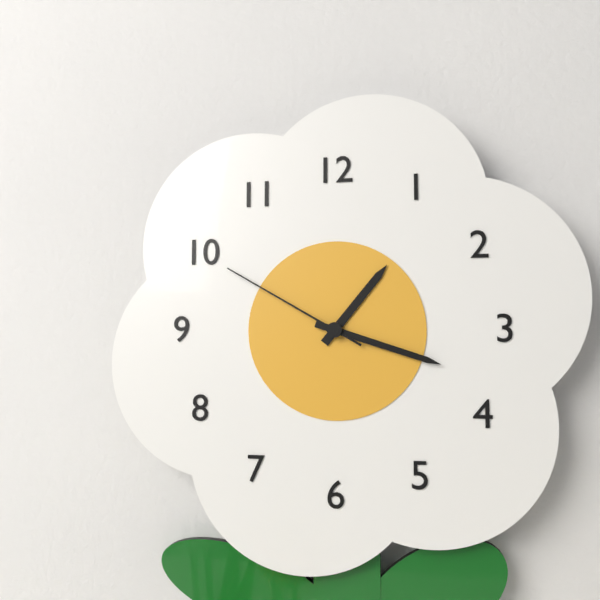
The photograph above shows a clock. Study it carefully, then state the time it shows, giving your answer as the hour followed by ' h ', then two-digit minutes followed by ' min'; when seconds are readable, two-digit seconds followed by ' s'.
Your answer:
1 h 18 min 50 s
